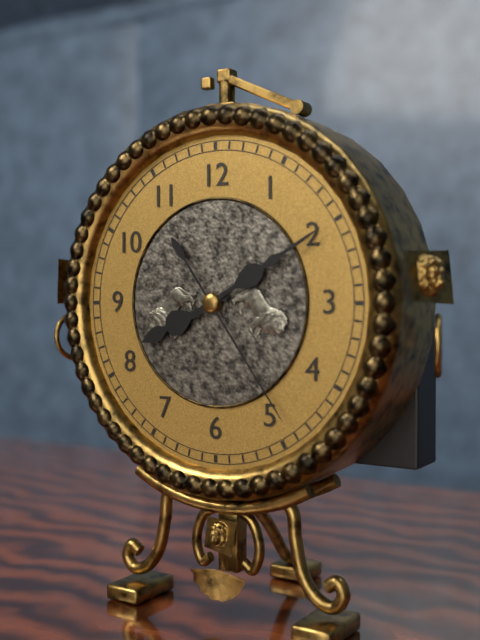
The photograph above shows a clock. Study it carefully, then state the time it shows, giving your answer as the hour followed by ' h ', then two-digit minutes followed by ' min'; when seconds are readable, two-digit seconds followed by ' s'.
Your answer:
8 h 10 min 24 s
